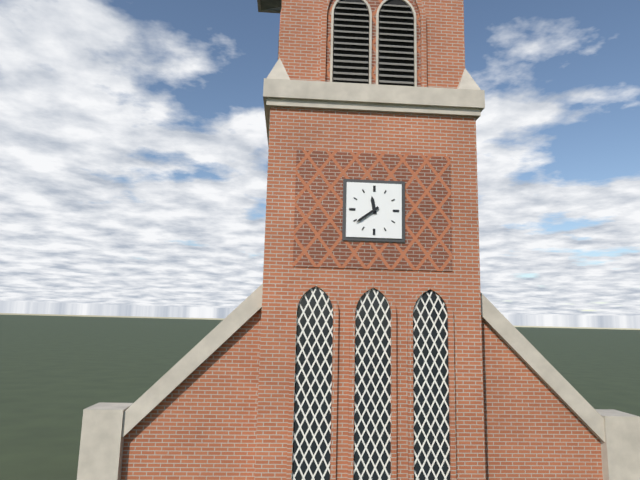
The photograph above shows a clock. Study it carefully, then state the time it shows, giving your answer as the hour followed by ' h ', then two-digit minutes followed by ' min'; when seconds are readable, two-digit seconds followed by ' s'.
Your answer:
11 h 39 min
